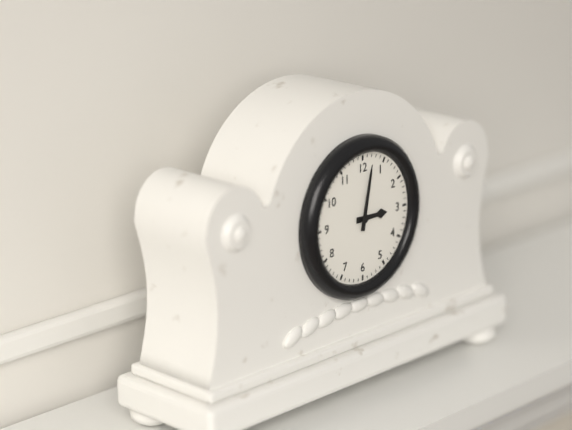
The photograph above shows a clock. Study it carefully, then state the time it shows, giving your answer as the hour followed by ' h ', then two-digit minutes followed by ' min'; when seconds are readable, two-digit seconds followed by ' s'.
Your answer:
3 h 02 min
